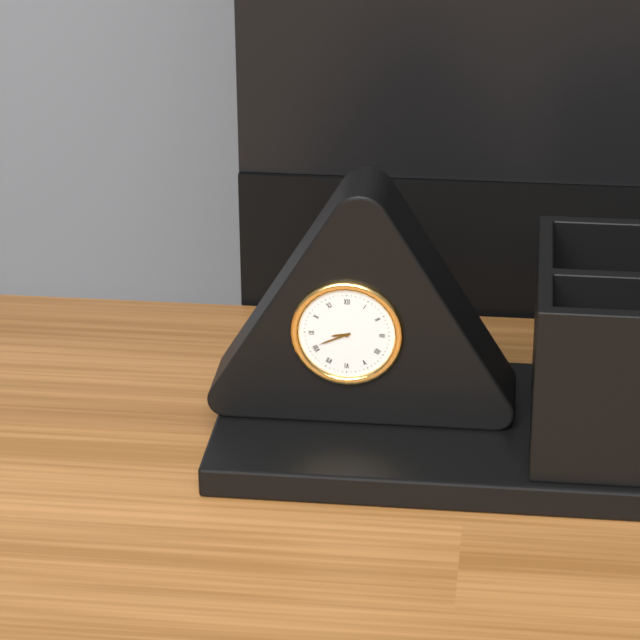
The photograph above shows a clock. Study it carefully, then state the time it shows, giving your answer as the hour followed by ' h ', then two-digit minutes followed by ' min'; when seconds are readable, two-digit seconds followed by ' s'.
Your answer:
8 h 41 min
